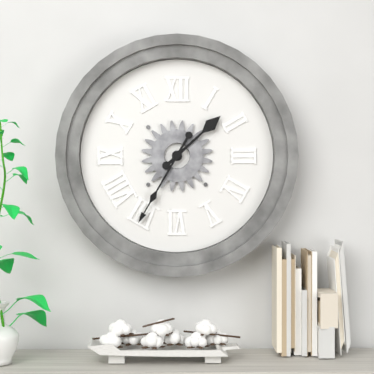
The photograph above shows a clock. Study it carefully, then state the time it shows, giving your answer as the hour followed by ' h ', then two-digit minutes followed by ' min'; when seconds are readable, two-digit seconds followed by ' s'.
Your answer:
1 h 35 min
